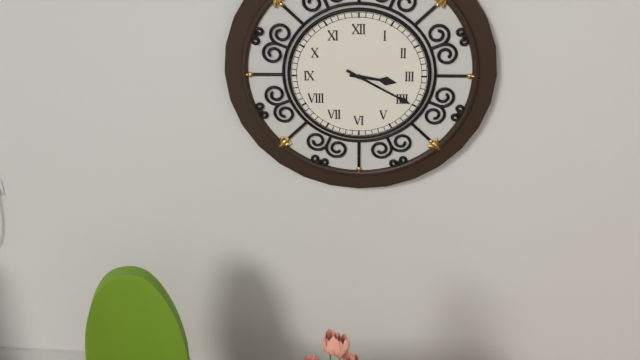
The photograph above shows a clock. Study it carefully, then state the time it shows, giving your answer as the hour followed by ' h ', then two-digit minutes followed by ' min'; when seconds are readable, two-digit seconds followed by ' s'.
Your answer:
3 h 20 min
